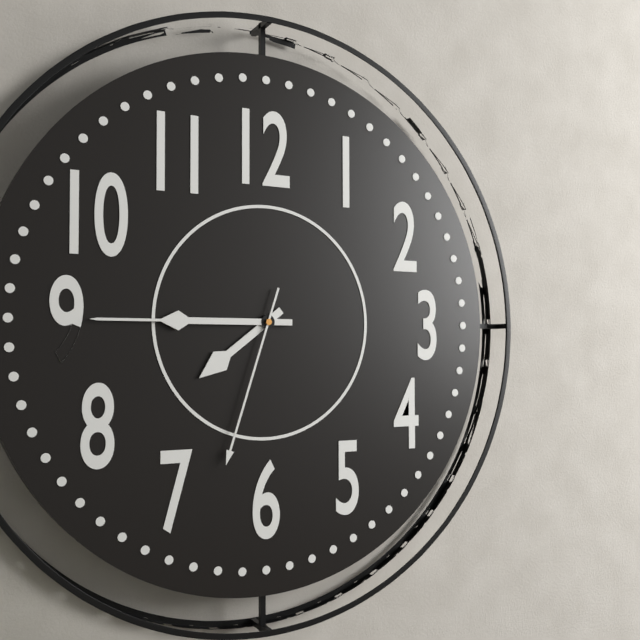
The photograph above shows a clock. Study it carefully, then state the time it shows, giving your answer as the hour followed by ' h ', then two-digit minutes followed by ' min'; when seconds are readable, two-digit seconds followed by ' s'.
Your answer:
7 h 45 min 33 s
